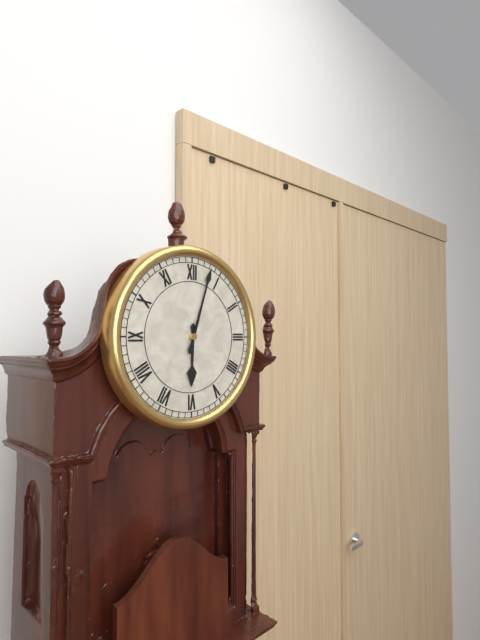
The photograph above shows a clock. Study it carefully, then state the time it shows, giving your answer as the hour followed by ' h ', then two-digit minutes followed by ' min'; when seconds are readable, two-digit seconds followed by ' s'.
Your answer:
6 h 03 min
